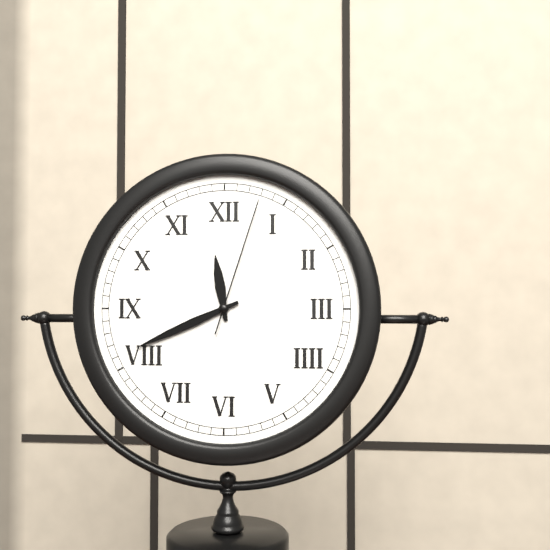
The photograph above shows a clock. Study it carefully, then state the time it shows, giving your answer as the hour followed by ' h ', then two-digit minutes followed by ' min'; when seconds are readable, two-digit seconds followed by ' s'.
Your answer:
11 h 41 min 03 s
